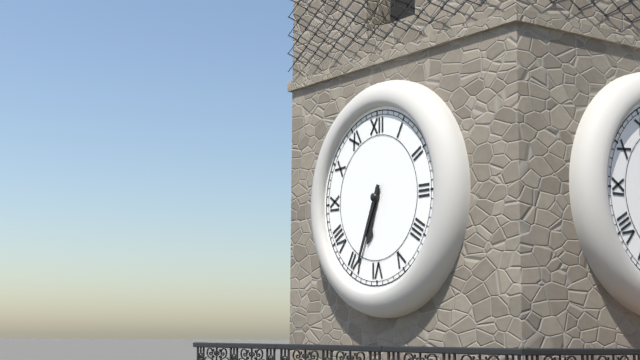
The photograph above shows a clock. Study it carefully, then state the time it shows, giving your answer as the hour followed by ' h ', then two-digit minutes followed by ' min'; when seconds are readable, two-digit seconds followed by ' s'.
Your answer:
6 h 34 min
